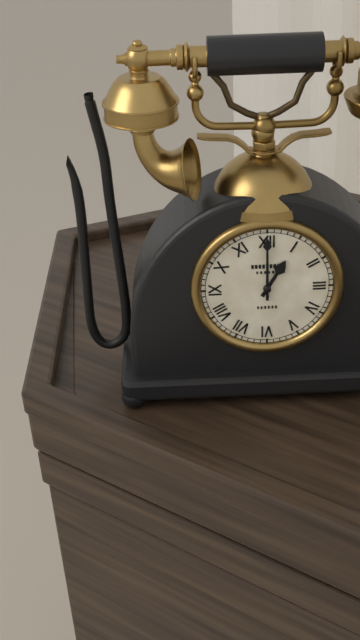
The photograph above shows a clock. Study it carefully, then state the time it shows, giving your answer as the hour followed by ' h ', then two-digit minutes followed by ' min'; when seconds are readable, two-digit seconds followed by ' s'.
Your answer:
1 h 00 min
